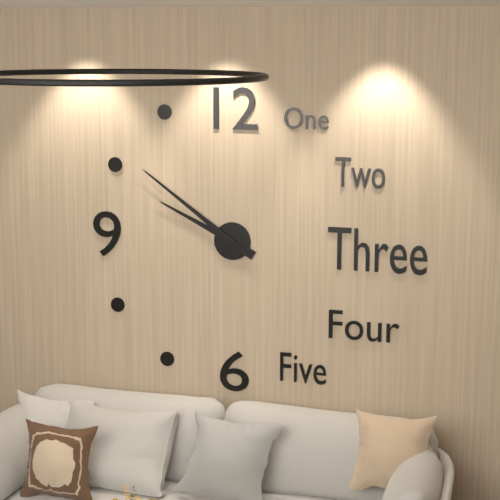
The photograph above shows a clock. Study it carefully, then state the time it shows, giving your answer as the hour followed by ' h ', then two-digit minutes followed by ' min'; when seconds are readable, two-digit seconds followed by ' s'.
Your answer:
9 h 51 min
